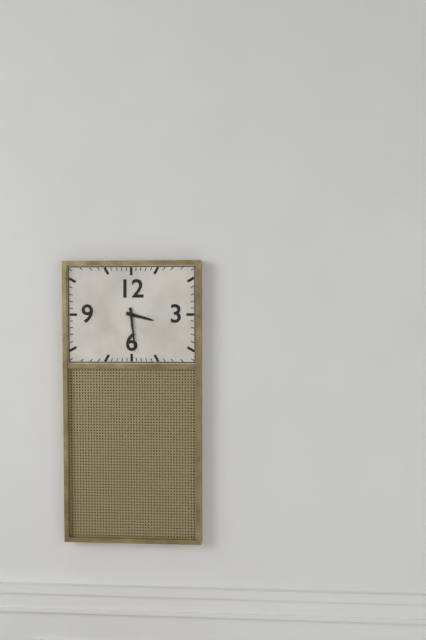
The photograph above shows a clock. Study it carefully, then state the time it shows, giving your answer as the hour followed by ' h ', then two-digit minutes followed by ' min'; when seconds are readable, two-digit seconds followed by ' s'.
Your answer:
3 h 29 min
